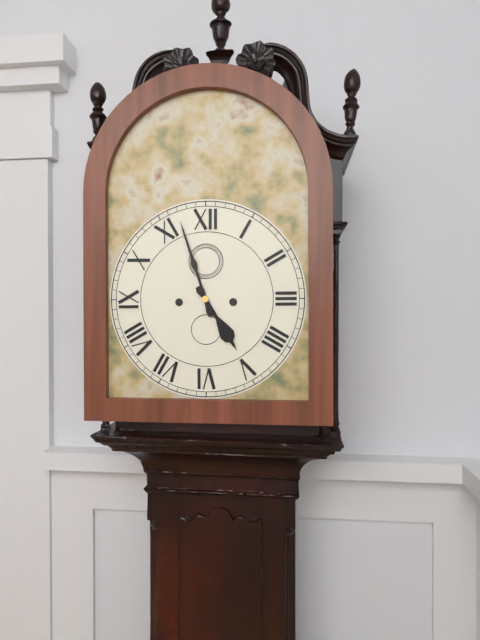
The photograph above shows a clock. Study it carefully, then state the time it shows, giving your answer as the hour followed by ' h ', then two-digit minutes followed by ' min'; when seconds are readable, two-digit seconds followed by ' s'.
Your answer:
4 h 57 min
